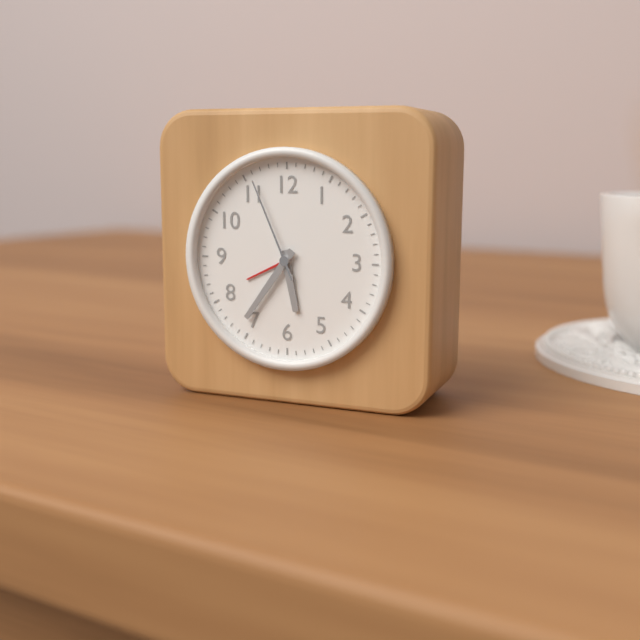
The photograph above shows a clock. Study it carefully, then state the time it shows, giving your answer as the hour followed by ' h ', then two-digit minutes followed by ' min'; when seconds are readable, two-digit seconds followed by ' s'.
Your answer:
5 h 36 min 56 s
